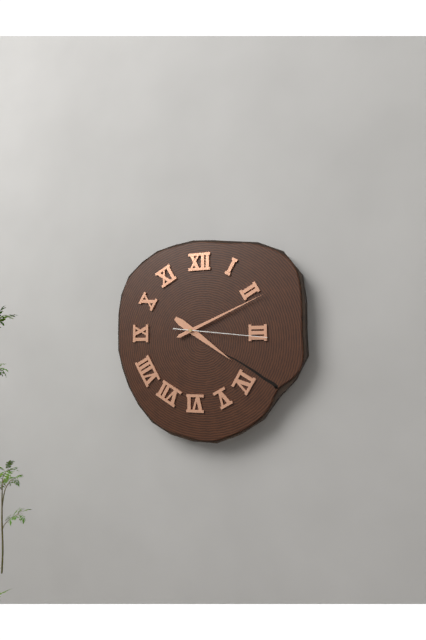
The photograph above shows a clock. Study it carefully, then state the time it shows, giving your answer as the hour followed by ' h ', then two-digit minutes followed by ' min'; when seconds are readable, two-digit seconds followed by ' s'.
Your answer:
4 h 11 min 16 s
